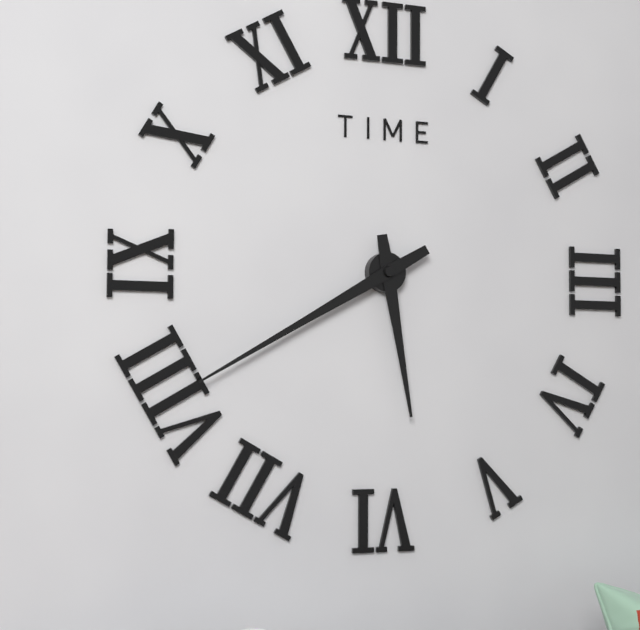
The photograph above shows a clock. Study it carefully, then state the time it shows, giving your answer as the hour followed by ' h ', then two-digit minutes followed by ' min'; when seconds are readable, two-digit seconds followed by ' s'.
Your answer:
5 h 40 min
